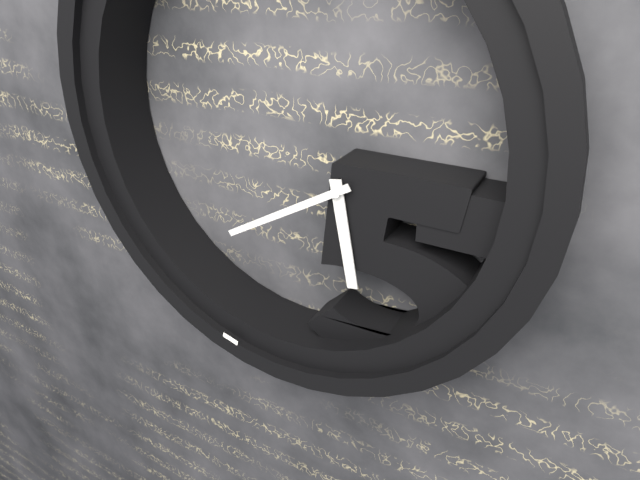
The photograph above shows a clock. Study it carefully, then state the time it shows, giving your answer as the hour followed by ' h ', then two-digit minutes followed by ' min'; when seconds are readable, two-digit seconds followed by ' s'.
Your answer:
5 h 40 min
